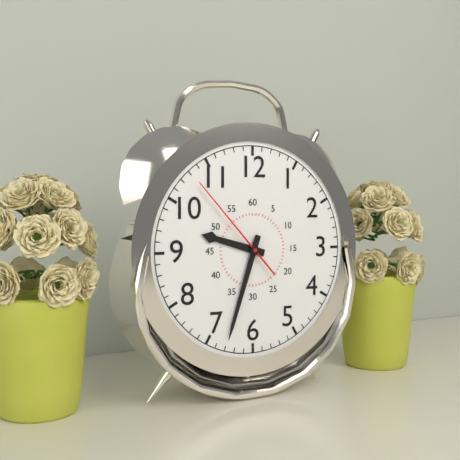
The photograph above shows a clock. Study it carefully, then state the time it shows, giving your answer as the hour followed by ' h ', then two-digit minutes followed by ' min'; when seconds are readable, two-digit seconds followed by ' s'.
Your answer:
9 h 33 min 53 s
